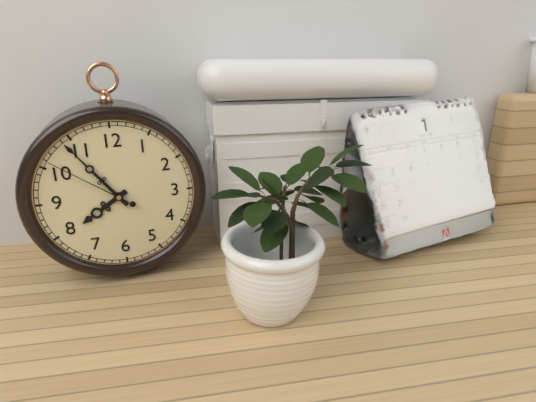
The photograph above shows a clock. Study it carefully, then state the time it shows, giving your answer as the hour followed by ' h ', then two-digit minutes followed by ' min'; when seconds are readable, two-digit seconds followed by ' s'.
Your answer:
7 h 54 min 51 s
